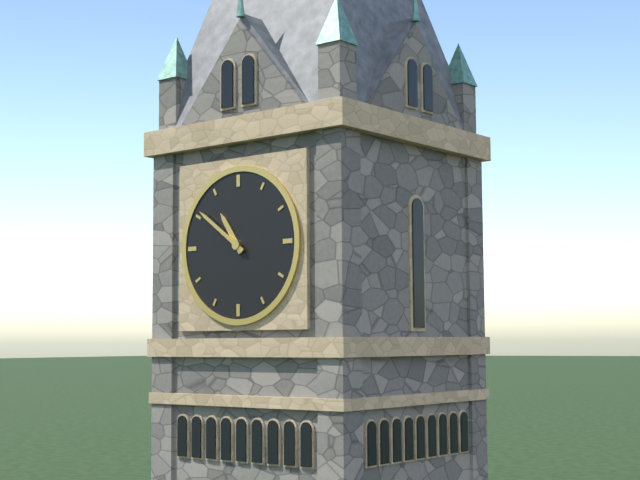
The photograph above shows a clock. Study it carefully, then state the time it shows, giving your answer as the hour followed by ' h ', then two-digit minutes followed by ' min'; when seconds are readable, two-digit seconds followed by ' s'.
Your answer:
10 h 51 min
